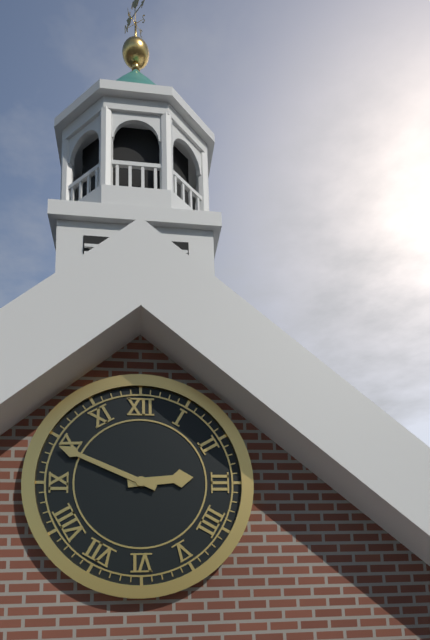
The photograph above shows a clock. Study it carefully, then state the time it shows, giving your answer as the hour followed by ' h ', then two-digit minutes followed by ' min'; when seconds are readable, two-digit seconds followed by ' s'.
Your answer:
2 h 49 min
